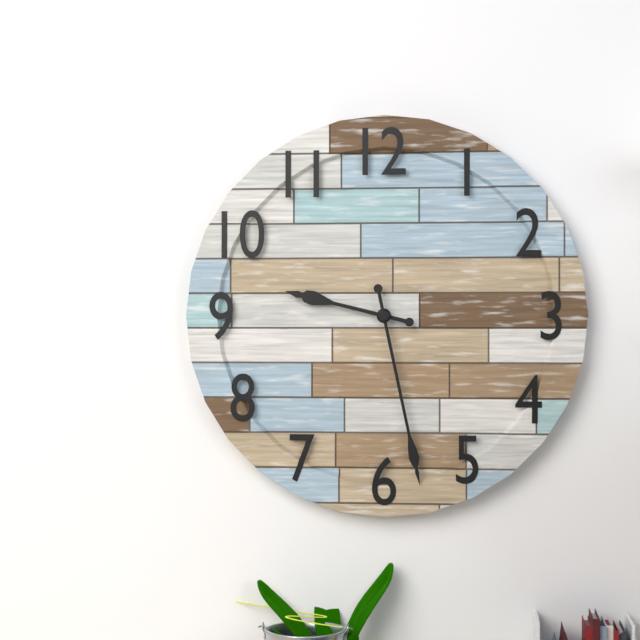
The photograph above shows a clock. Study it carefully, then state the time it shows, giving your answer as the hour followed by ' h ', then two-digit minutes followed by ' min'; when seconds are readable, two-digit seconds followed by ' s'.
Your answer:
9 h 28 min
